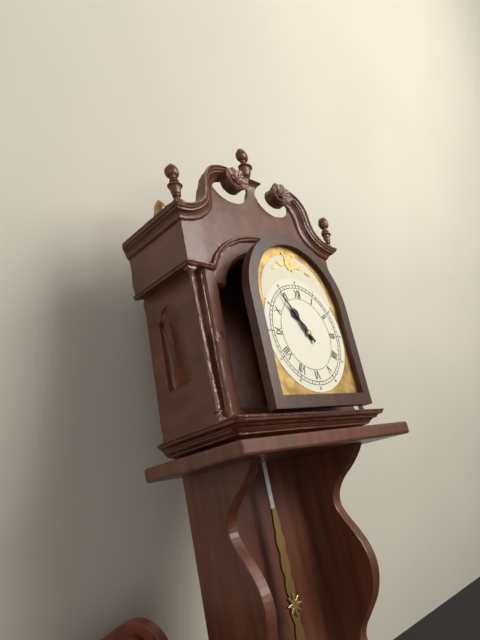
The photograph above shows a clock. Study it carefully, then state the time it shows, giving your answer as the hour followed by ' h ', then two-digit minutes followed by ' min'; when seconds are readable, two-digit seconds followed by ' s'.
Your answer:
10 h 54 min
